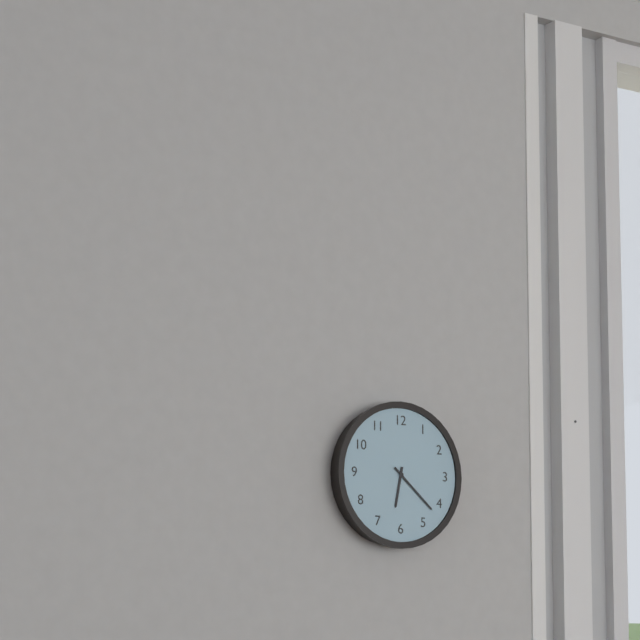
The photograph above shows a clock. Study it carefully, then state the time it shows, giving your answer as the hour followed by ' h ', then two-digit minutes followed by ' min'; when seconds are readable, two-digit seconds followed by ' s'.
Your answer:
6 h 22 min
